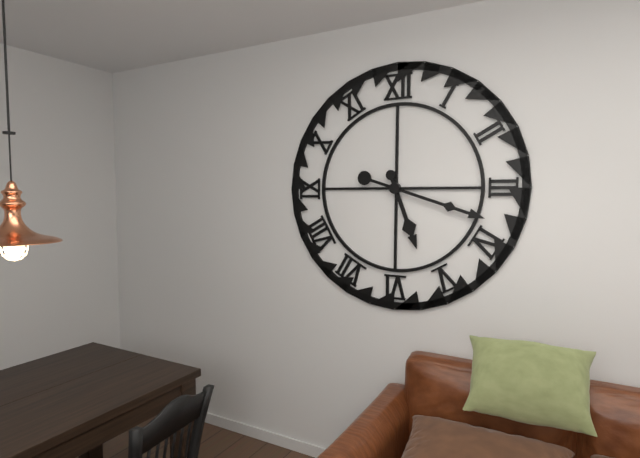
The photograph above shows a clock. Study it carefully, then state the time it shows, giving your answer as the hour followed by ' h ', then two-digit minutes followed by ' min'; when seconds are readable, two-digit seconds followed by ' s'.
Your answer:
5 h 18 min
